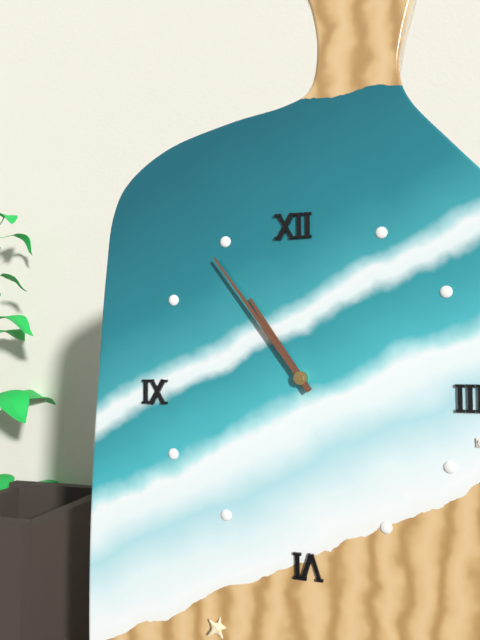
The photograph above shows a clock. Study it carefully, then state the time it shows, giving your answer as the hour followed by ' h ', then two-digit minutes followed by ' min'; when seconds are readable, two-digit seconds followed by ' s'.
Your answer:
10 h 54 min
